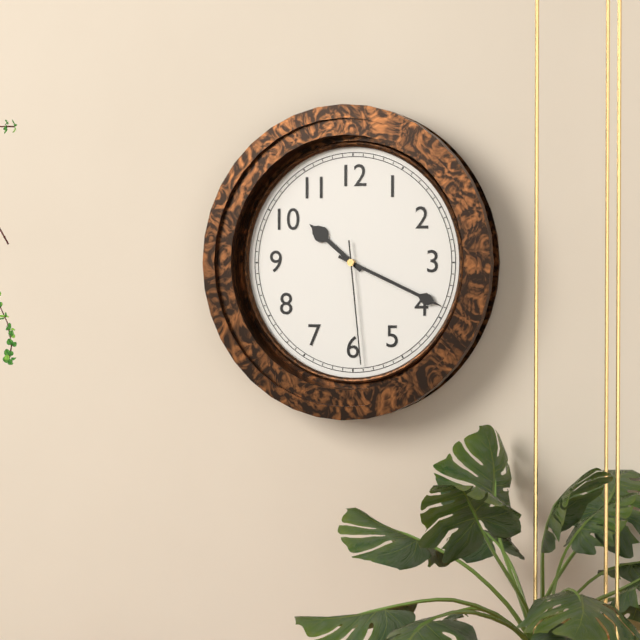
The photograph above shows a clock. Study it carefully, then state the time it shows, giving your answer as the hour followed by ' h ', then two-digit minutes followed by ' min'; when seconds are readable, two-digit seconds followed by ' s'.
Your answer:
10 h 19 min 29 s
